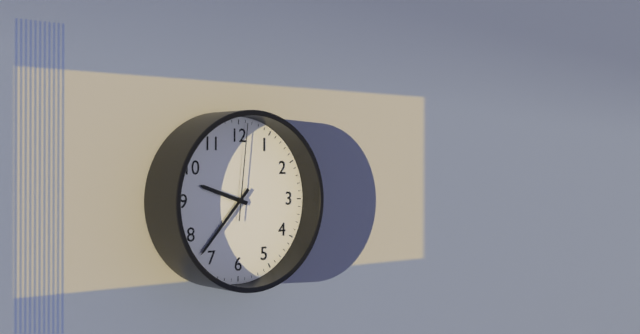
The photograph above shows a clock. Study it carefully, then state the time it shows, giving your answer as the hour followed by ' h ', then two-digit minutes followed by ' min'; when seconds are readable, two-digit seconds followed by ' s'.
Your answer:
9 h 37 min 01 s
